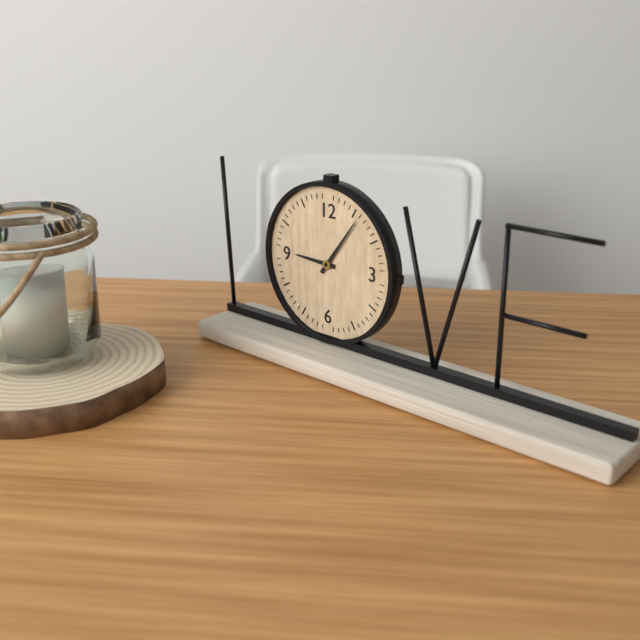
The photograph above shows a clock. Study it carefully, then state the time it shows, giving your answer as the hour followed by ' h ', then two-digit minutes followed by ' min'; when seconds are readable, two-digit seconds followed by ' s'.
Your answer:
9 h 06 min
